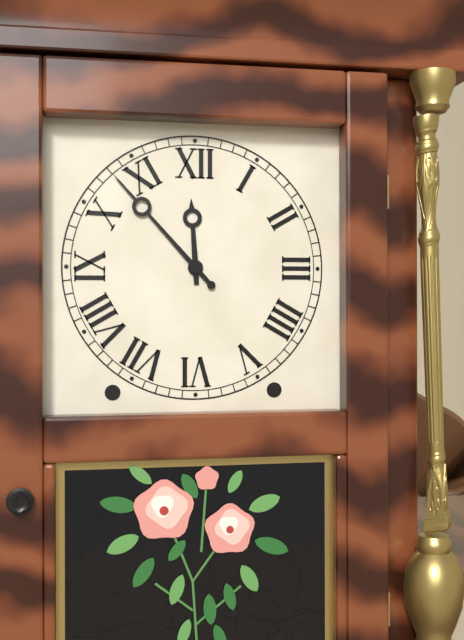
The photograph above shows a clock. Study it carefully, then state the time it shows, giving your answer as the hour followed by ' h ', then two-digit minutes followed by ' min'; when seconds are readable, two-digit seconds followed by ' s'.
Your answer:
11 h 53 min
